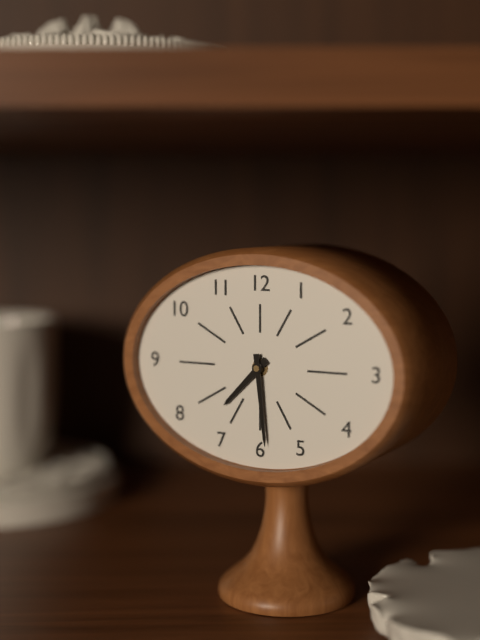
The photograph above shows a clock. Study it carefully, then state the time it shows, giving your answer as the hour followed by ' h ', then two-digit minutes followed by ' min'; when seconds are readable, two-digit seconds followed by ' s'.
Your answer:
7 h 29 min
